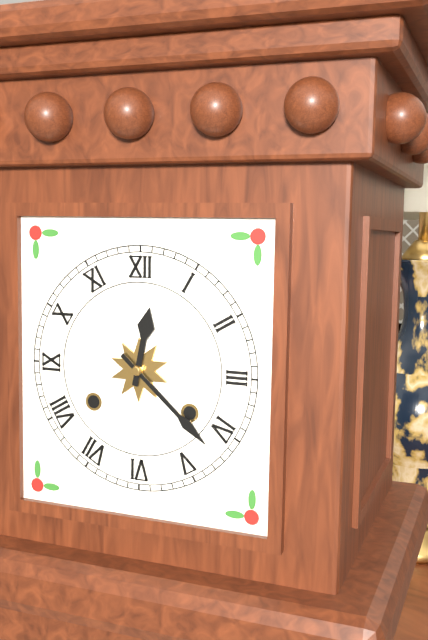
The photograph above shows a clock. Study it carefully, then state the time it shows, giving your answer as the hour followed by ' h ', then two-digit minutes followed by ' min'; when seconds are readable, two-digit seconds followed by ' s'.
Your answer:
12 h 22 min
